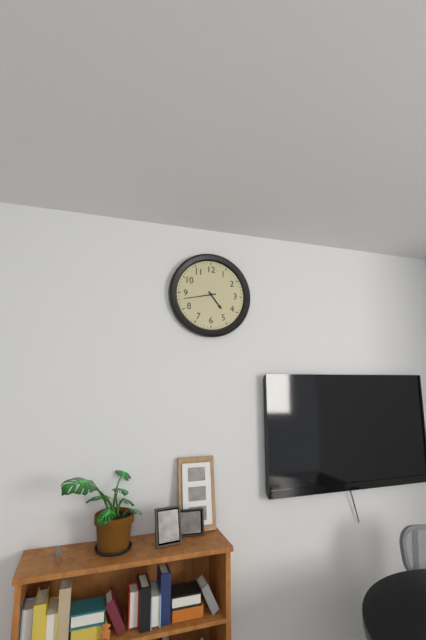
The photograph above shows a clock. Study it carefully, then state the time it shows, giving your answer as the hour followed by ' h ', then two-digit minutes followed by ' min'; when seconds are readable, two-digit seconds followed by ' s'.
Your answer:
4 h 43 min
